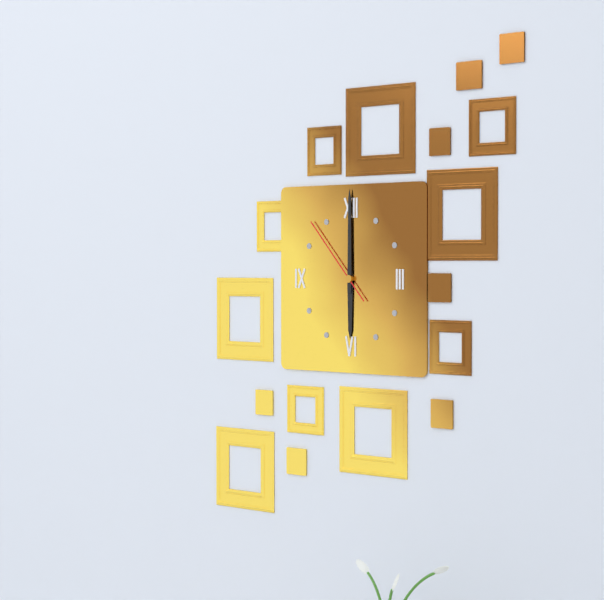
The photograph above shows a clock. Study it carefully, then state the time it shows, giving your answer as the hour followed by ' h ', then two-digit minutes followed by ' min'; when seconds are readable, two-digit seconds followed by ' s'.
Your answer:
6 h 00 min 53 s
